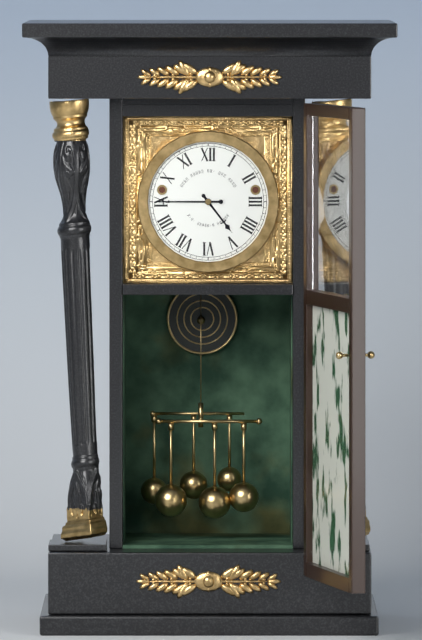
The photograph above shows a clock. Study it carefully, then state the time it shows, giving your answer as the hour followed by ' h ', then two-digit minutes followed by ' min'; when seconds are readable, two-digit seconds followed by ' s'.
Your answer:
4 h 45 min
